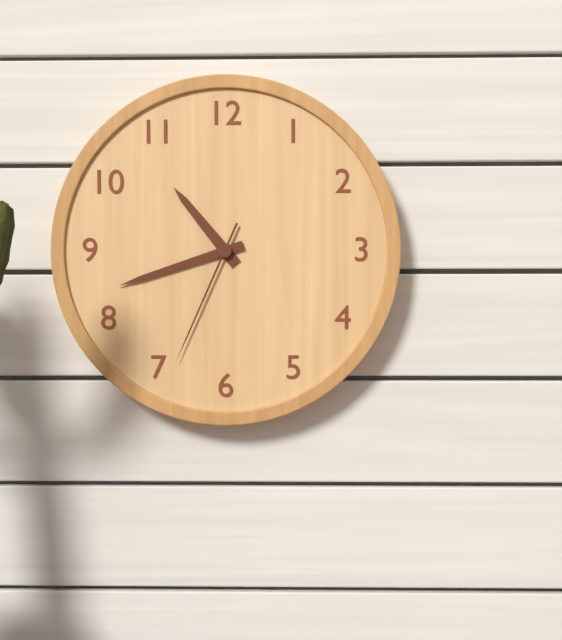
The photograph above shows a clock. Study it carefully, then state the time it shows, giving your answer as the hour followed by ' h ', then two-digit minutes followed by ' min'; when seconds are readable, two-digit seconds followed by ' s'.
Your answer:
10 h 42 min 34 s
